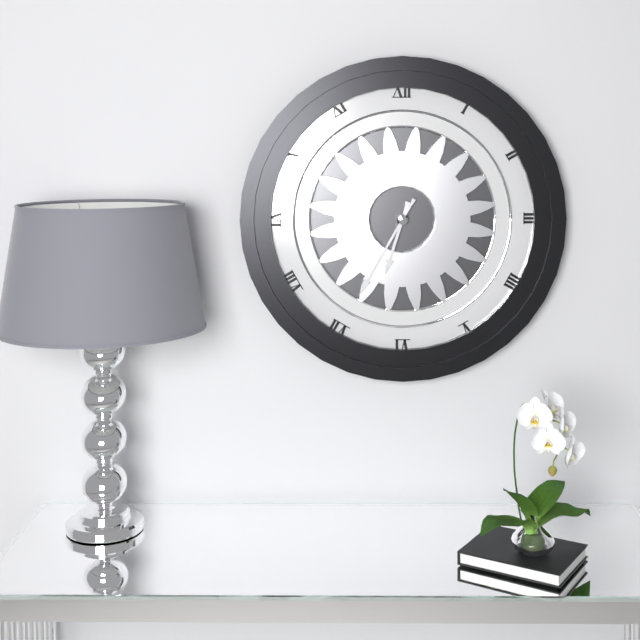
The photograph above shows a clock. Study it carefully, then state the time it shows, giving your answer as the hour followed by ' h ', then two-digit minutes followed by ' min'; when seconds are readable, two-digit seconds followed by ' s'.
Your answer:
6 h 35 min
